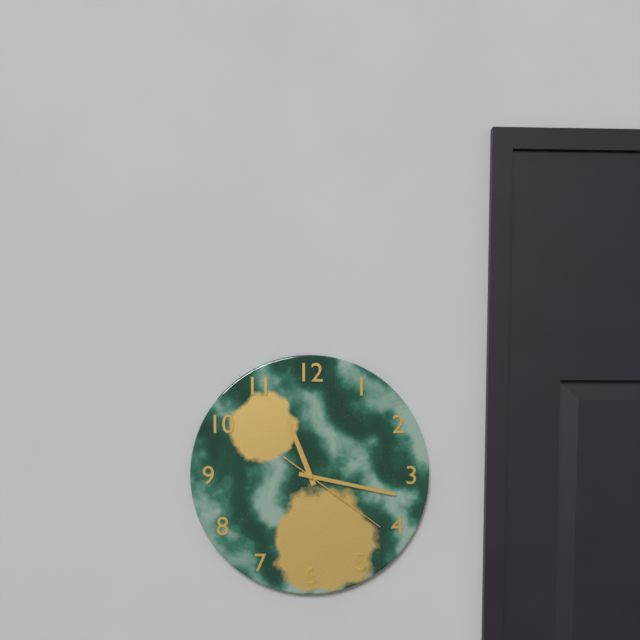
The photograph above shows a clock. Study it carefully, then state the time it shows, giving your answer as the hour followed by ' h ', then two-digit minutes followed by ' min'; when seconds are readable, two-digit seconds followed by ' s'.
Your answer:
11 h 17 min 21 s
